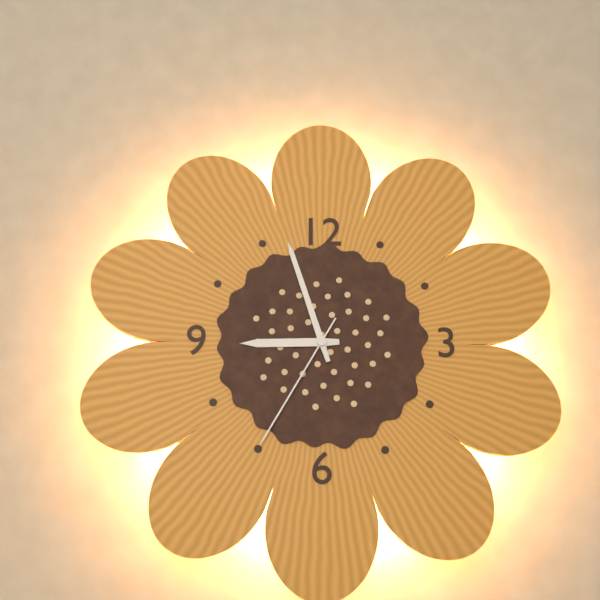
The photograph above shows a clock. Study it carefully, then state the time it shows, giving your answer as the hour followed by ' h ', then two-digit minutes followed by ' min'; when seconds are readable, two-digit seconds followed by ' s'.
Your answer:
8 h 57 min 35 s
